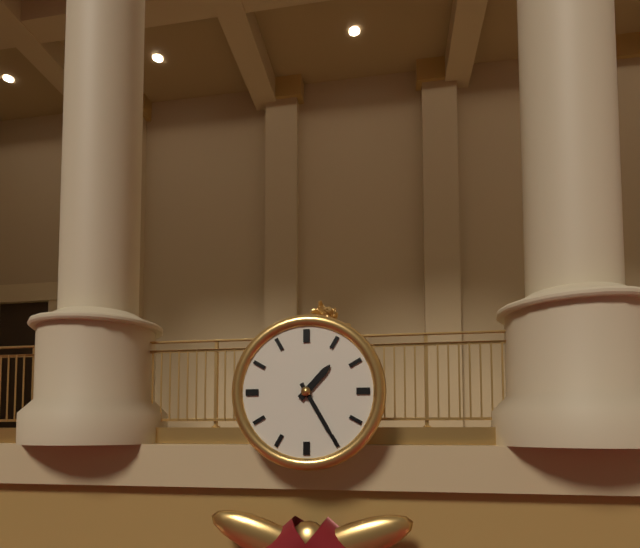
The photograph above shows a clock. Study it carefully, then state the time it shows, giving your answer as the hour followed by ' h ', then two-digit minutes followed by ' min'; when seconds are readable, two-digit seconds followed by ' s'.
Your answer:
1 h 25 min
